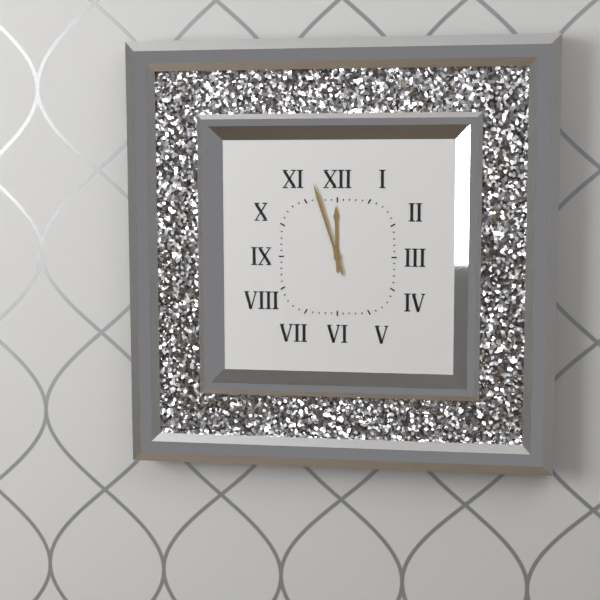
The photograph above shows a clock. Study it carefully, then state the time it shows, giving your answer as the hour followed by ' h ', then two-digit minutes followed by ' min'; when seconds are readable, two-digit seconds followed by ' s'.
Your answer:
11 h 57 min
